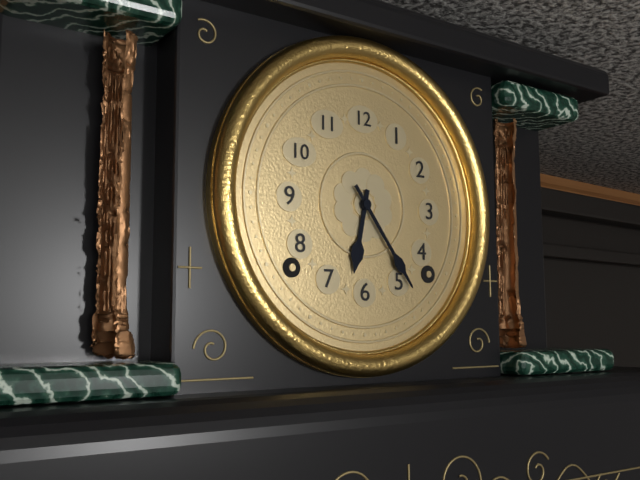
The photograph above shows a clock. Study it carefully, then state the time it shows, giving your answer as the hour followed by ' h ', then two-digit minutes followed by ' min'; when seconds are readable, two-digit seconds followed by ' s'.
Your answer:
6 h 24 min
